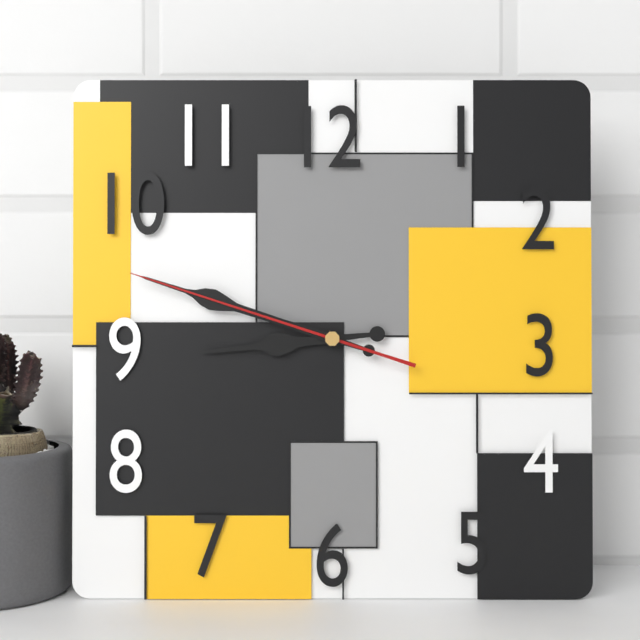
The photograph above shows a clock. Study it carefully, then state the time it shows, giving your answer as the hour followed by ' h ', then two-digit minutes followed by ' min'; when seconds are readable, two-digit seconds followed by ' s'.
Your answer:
8 h 48 min 48 s
